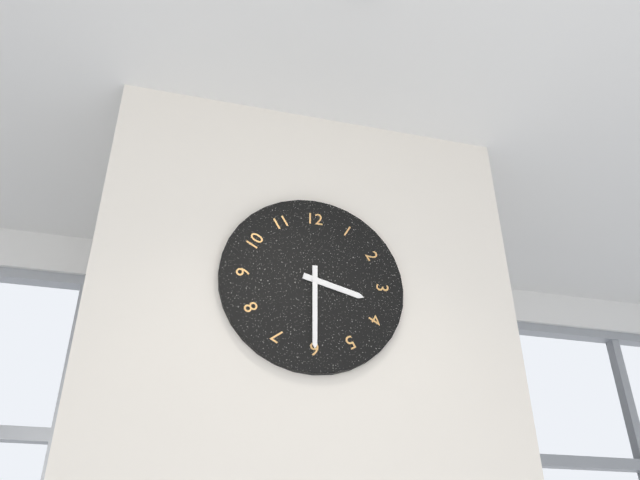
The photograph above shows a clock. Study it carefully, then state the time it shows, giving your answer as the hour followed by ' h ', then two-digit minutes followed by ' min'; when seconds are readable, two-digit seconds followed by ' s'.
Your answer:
3 h 30 min
